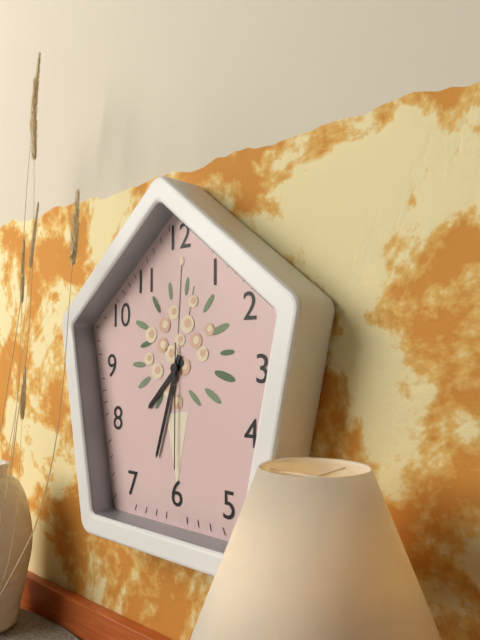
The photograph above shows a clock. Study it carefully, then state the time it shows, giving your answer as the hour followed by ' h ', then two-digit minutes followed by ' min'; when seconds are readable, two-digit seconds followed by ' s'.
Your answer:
7 h 33 min 30 s
